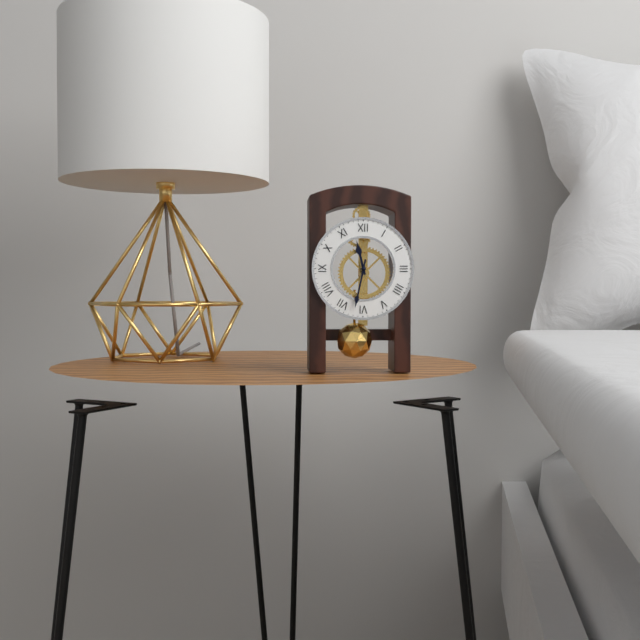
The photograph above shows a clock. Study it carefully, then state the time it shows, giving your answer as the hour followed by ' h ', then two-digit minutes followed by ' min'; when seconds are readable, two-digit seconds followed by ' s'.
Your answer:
11 h 32 min
